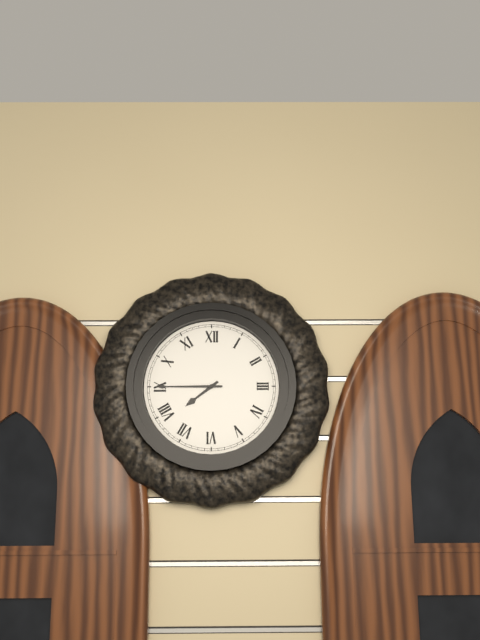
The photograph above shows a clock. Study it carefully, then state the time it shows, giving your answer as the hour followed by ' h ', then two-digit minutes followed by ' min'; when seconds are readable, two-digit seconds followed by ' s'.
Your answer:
7 h 45 min
